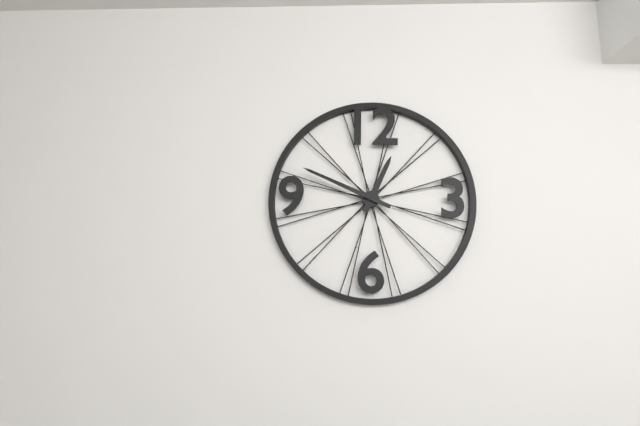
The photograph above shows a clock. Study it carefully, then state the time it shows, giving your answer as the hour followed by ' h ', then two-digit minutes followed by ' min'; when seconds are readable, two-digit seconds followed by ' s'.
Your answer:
12 h 49 min
